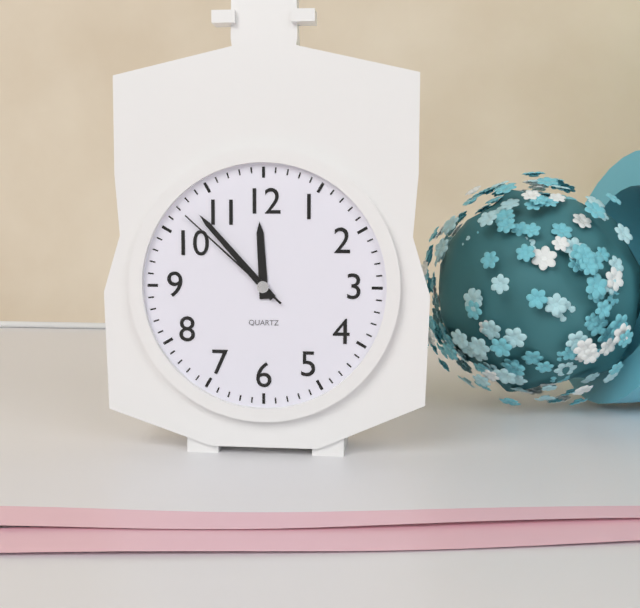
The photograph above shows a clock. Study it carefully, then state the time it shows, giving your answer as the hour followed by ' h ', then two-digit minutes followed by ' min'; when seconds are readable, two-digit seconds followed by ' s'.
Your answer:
11 h 53 min 52 s
